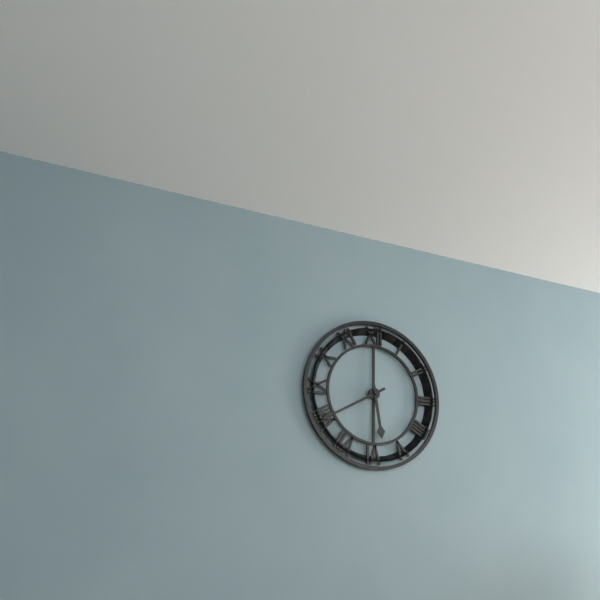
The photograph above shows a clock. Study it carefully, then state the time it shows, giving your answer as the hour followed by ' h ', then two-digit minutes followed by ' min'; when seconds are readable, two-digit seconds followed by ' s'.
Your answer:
5 h 40 min
